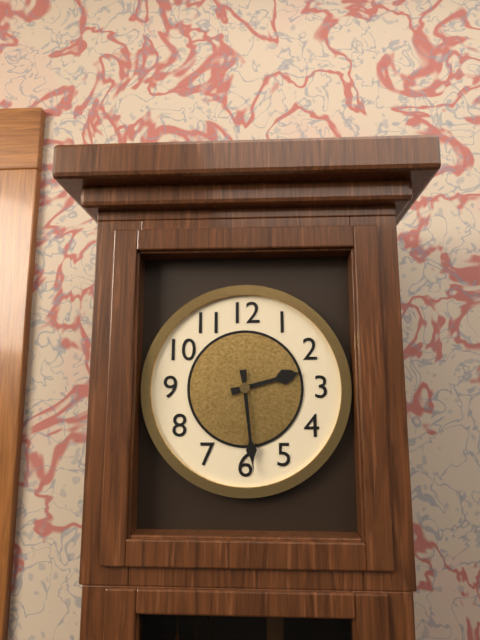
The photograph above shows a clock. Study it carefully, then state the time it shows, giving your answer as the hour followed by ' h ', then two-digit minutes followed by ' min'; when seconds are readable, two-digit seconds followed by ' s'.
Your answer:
2 h 29 min
